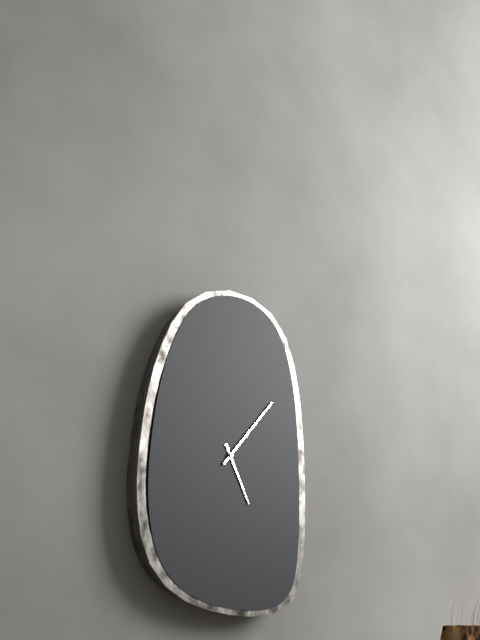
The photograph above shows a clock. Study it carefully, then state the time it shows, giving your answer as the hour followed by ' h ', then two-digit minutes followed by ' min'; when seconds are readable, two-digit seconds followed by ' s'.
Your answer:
5 h 07 min
